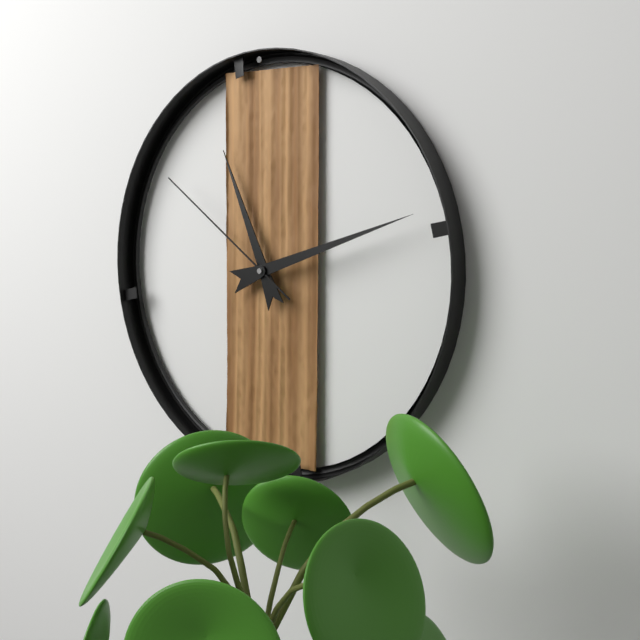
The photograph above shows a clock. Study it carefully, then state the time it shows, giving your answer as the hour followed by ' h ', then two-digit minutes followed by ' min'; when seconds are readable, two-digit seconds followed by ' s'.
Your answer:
11 h 12 min 51 s
